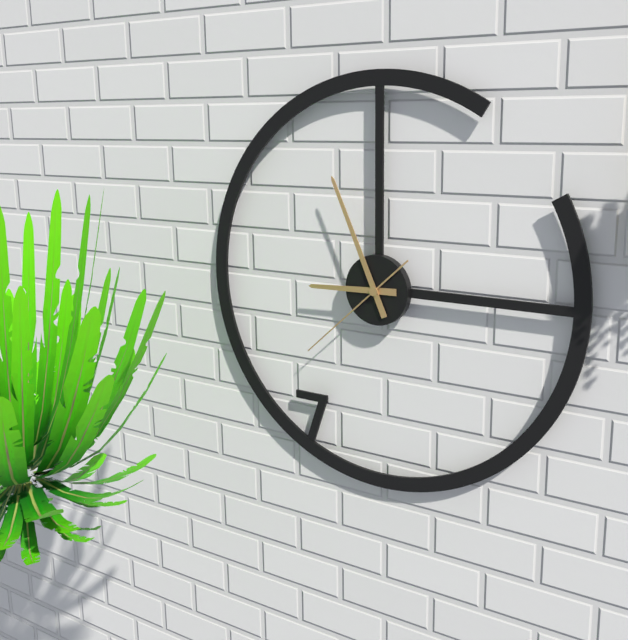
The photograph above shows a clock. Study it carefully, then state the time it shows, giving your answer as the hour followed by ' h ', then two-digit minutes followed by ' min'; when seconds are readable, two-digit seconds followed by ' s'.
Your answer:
8 h 56 min 38 s
